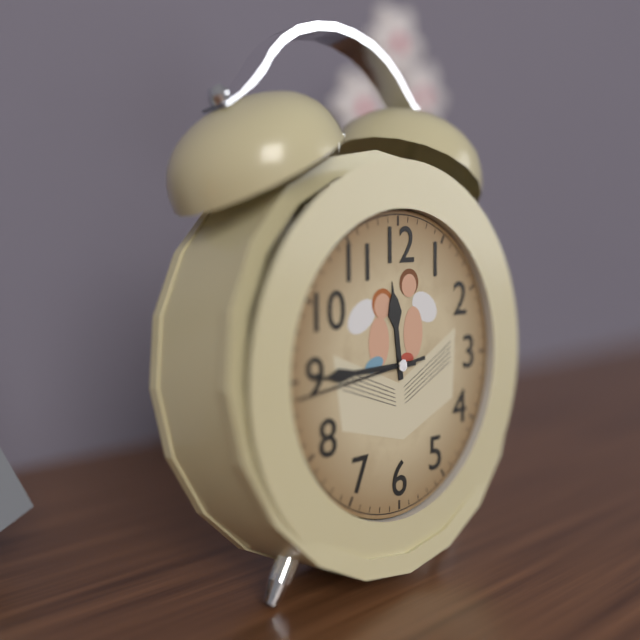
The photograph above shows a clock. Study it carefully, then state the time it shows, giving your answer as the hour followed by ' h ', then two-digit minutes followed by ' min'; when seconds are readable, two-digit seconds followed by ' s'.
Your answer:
11 h 45 min 44 s
